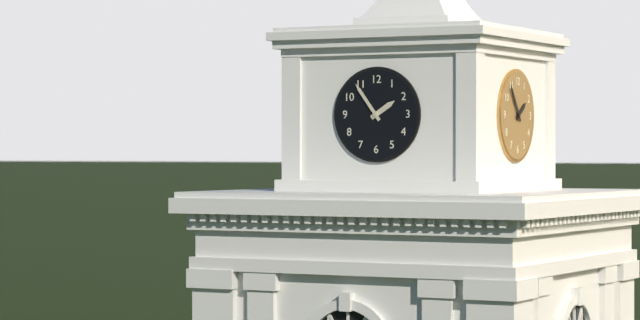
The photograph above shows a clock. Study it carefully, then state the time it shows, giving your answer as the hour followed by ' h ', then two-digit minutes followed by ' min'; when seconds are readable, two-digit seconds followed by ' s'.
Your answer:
1 h 54 min
